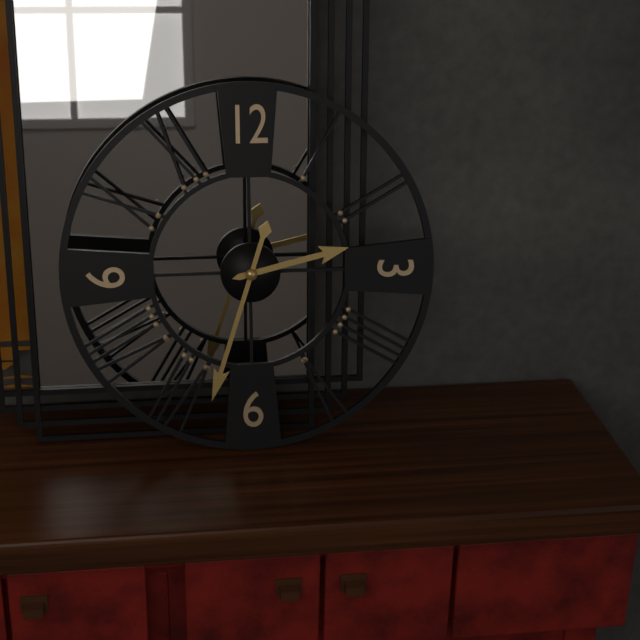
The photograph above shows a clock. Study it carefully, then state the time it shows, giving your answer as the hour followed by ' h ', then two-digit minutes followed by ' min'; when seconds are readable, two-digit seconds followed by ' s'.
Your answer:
2 h 33 min
